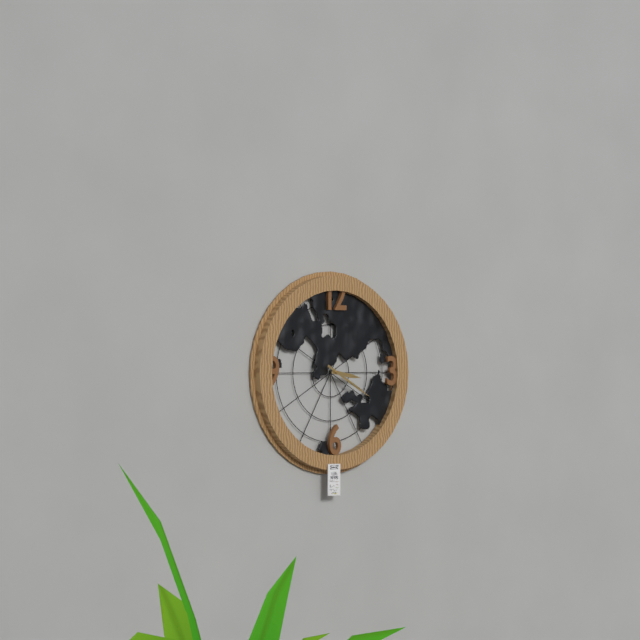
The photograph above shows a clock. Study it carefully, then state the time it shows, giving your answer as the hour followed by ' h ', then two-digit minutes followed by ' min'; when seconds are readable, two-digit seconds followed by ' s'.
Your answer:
3 h 20 min
